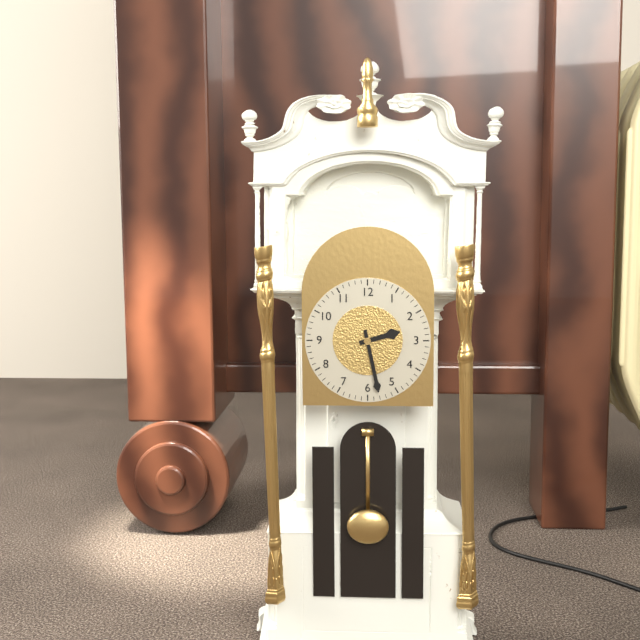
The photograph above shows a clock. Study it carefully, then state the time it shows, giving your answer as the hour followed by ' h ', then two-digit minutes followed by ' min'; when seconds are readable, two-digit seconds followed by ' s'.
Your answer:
2 h 28 min
